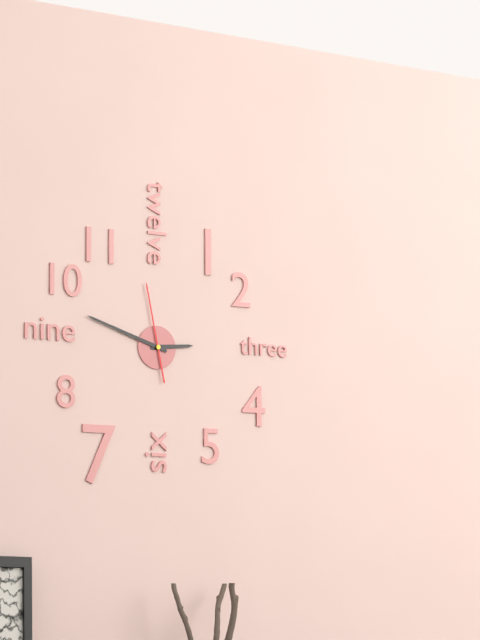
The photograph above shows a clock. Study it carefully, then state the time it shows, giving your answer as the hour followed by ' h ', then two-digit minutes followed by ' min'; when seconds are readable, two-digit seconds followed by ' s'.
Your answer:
2 h 48 min 58 s
